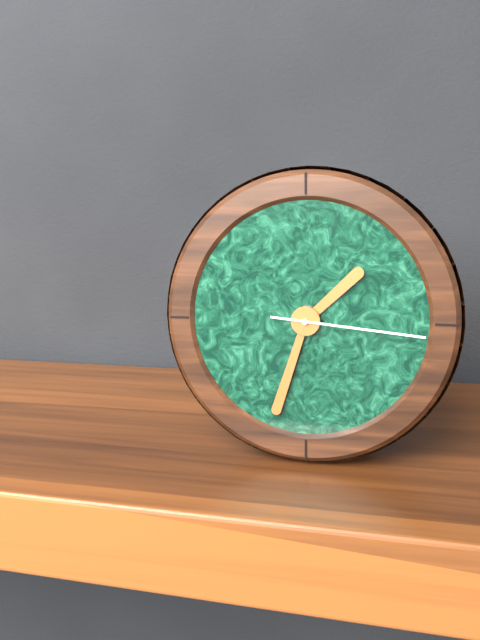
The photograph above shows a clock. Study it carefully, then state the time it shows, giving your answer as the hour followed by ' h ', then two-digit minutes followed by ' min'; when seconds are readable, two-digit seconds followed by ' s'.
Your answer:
1 h 33 min 16 s
